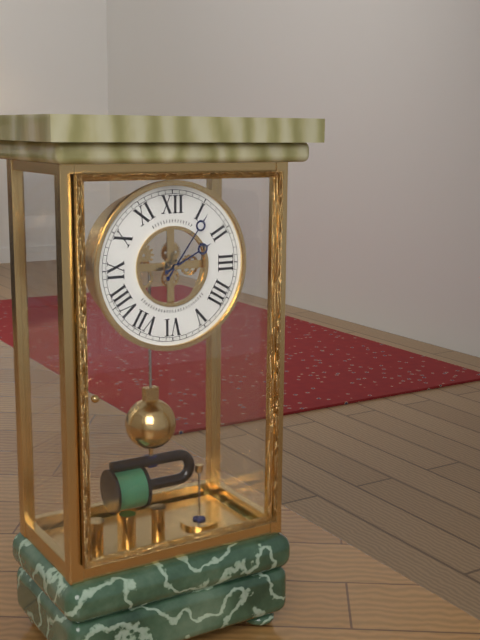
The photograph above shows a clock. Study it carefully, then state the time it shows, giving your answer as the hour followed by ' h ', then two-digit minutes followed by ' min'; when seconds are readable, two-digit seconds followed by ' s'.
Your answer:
2 h 06 min
